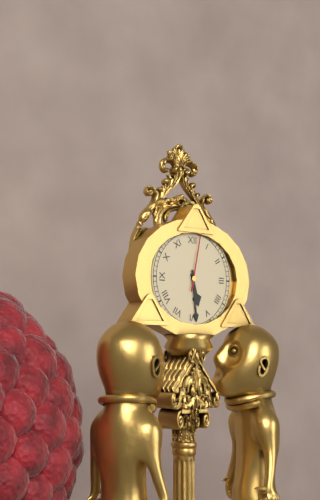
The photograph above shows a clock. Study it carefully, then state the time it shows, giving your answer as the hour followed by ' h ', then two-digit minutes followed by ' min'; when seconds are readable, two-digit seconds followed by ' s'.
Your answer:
5 h 29 min 02 s
